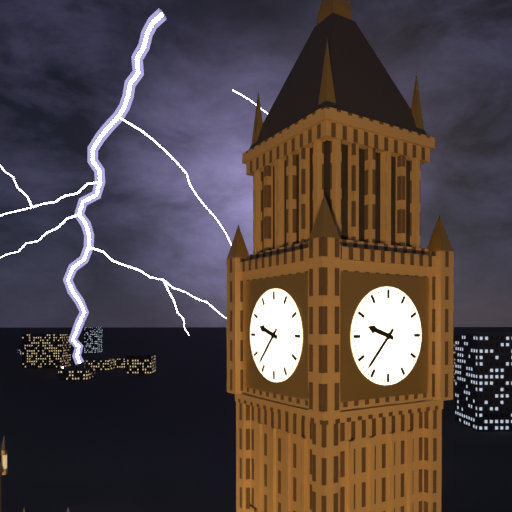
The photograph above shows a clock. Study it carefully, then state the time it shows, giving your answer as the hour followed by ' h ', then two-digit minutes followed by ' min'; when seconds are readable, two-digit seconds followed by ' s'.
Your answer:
9 h 37 min
